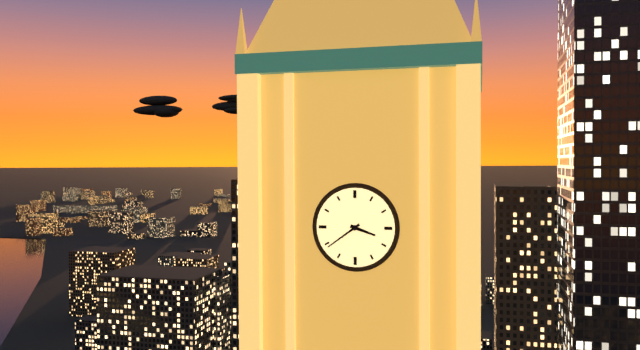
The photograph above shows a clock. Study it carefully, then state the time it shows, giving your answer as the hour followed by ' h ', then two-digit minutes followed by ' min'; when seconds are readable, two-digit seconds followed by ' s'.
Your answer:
3 h 39 min
